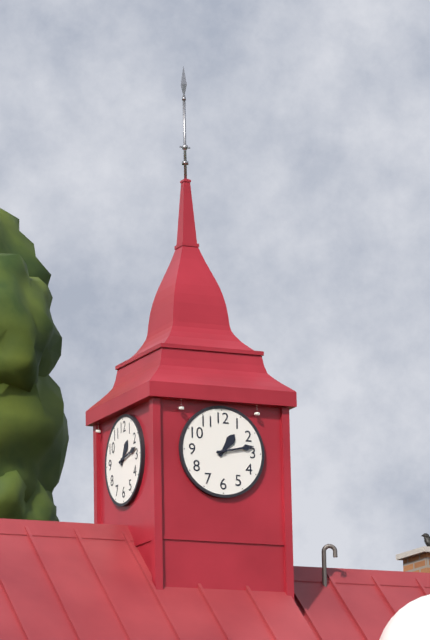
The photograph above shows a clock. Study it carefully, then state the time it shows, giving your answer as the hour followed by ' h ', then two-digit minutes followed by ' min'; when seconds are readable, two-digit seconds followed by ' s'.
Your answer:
1 h 13 min
